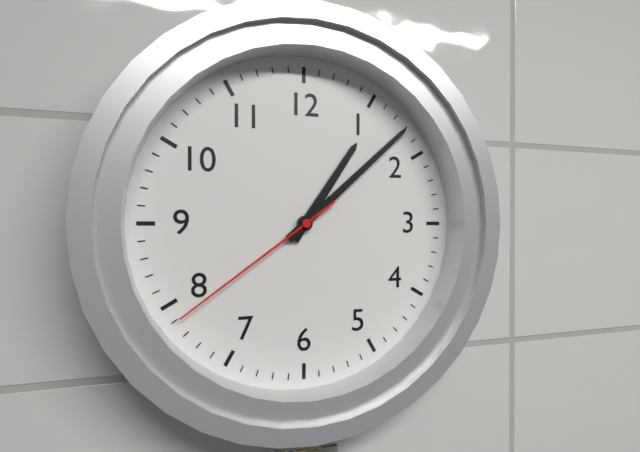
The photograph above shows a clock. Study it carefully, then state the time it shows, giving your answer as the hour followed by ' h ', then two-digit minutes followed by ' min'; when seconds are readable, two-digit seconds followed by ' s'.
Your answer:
1 h 08 min 39 s
